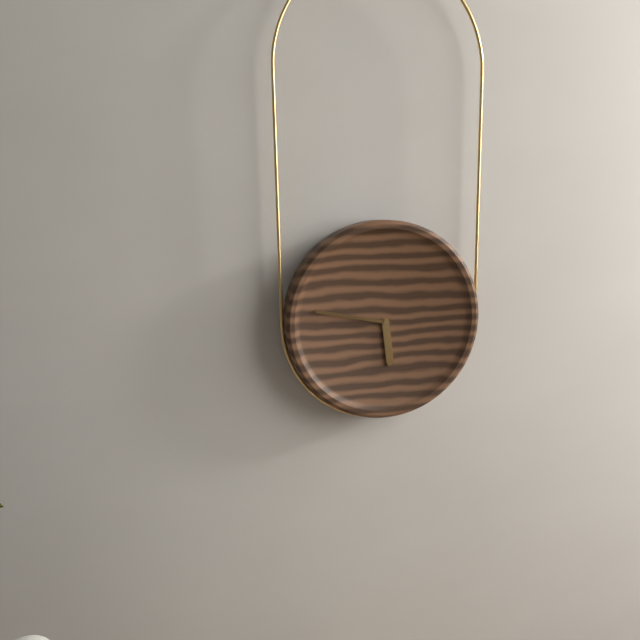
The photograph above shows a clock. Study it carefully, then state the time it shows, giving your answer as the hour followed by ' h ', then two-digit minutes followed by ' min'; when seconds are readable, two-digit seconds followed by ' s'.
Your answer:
5 h 47 min
